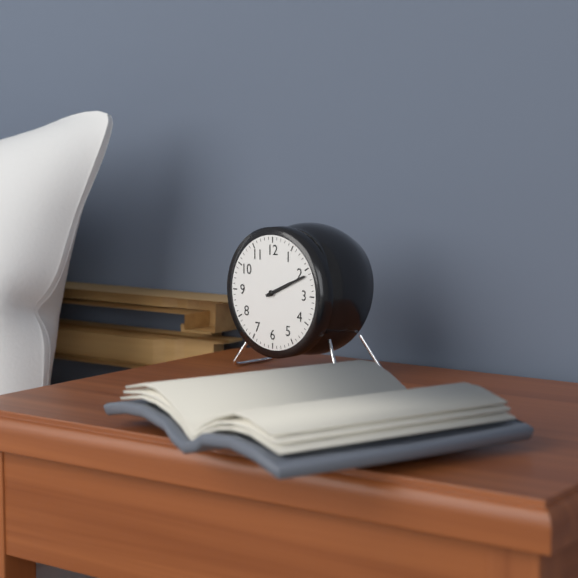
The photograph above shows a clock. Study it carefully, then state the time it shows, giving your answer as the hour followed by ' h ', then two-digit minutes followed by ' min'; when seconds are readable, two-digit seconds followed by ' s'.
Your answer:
2 h 11 min
